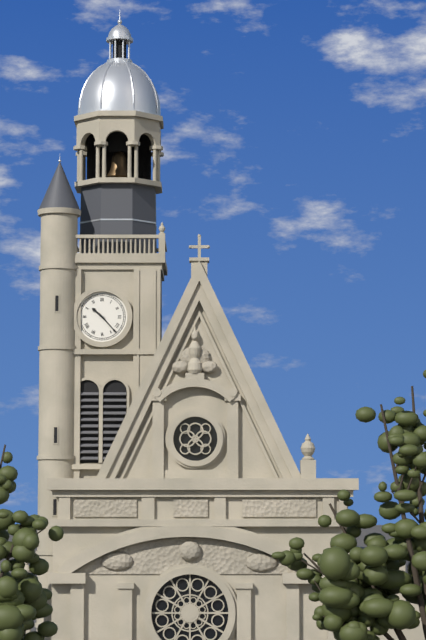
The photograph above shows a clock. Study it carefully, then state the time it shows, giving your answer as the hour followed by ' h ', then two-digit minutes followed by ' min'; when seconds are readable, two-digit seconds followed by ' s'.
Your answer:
10 h 23 min
